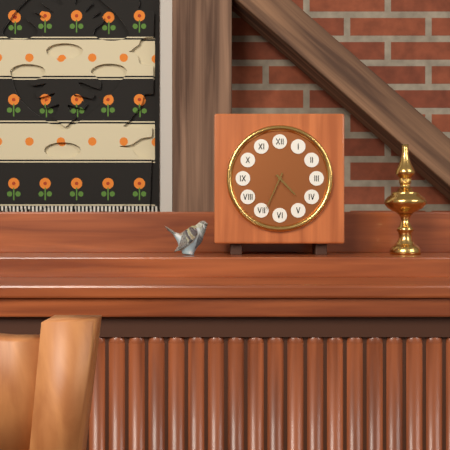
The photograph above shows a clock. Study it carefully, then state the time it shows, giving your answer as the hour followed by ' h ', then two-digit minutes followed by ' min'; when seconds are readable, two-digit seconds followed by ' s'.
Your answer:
4 h 34 min
